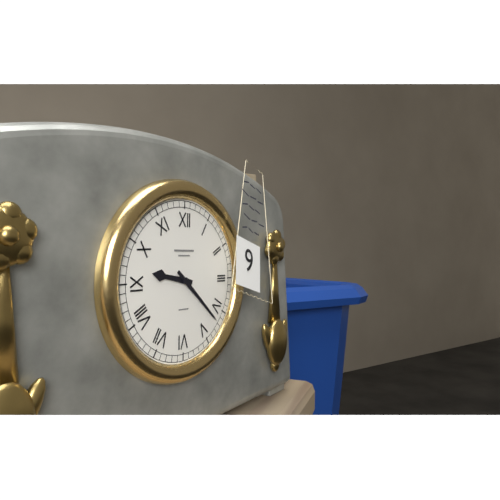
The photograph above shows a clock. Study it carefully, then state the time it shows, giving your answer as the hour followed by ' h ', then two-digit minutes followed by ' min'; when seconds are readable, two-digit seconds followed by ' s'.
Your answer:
9 h 22 min
